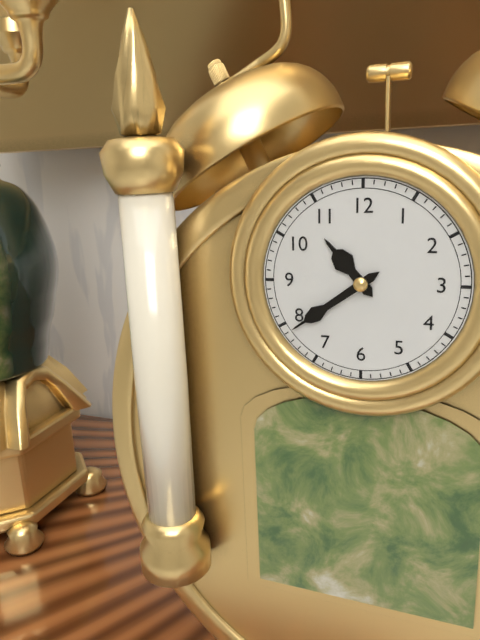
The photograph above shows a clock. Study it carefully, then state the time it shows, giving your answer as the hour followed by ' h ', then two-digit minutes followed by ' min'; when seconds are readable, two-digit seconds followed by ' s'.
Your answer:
10 h 39 min
